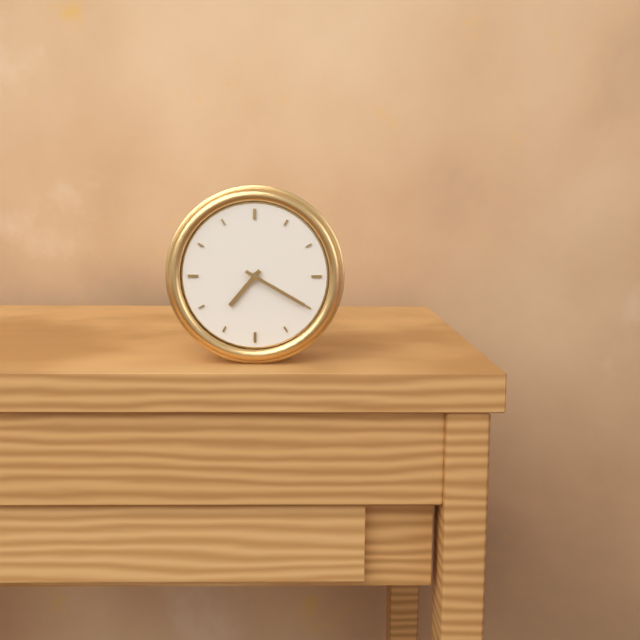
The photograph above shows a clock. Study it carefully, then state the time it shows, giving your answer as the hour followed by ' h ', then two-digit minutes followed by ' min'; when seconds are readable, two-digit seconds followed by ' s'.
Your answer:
7 h 20 min
